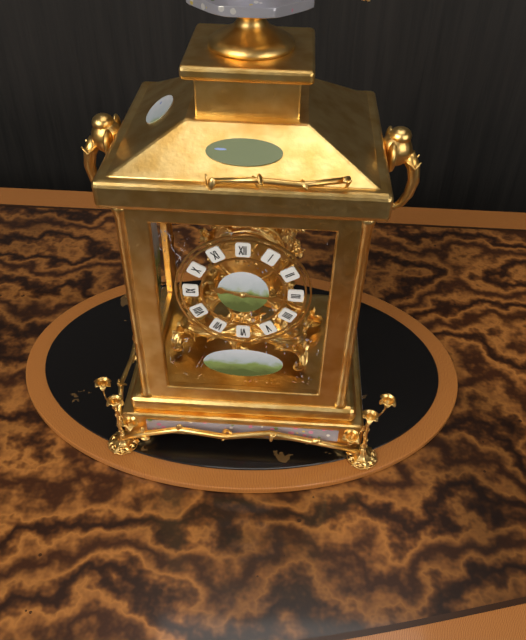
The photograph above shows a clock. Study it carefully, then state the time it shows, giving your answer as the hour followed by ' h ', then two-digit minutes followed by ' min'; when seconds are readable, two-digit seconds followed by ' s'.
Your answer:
9 h 16 min
